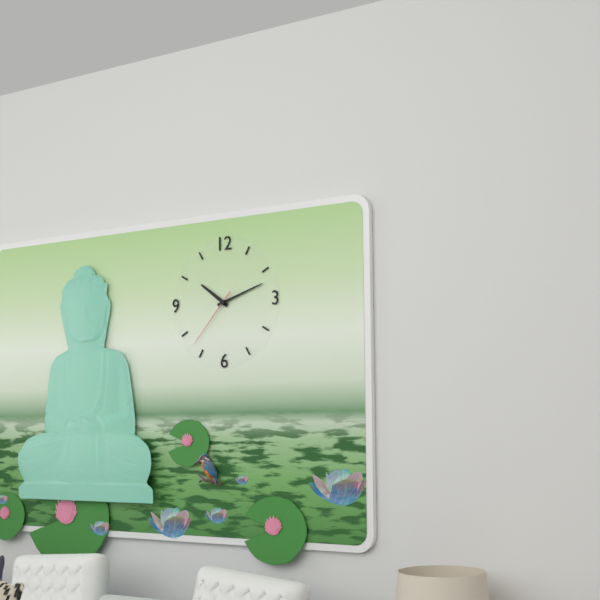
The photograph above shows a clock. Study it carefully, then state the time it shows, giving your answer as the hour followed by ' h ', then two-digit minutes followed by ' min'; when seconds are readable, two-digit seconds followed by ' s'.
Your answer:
10 h 12 min 37 s
